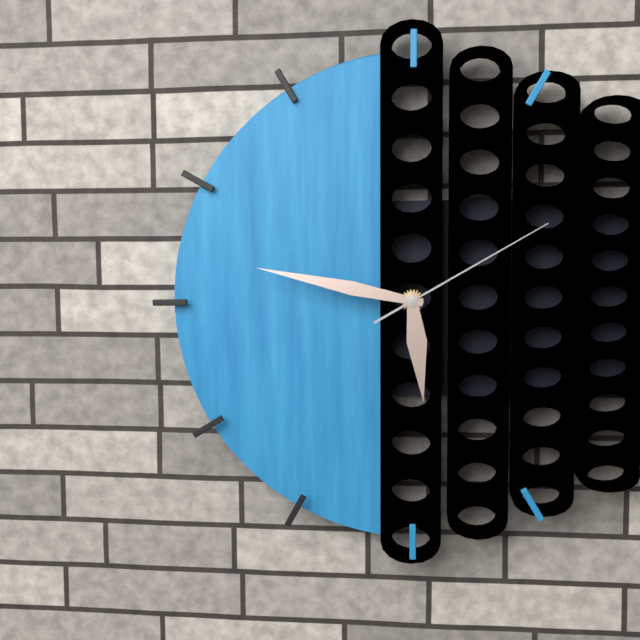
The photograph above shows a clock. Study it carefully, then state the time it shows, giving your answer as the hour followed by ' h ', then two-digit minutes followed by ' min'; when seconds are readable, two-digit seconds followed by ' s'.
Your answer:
5 h 47 min 10 s
